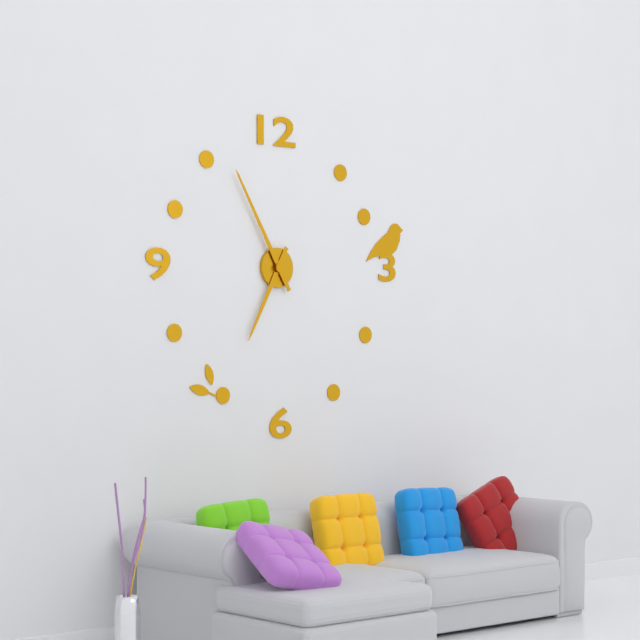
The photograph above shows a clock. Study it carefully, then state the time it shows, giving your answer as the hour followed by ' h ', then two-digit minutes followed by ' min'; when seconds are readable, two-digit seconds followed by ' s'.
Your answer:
6 h 55 min
